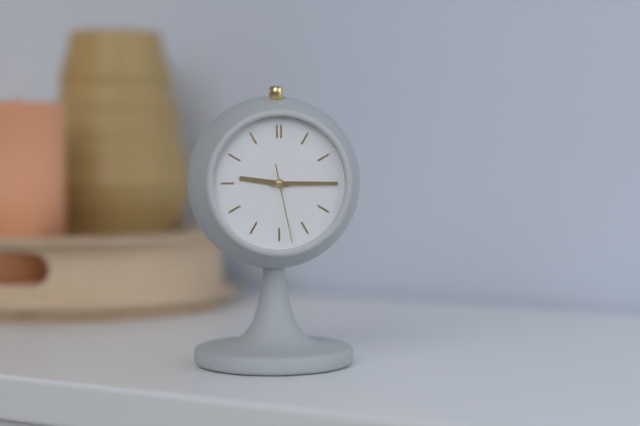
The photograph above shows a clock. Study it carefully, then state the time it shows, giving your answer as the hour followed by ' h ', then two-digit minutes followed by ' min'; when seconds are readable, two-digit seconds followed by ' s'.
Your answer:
9 h 15 min 28 s
